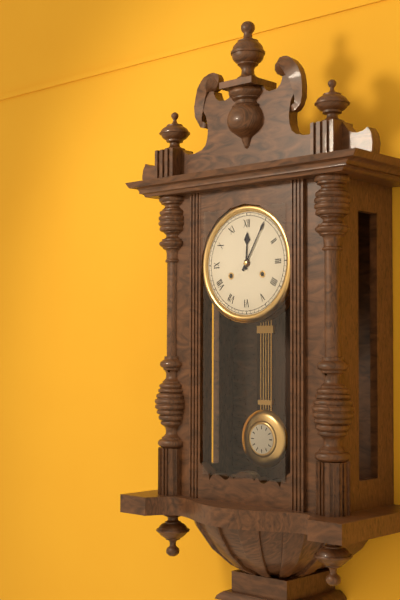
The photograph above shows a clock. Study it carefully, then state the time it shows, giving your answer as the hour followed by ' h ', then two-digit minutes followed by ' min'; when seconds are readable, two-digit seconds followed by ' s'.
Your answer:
12 h 05 min
